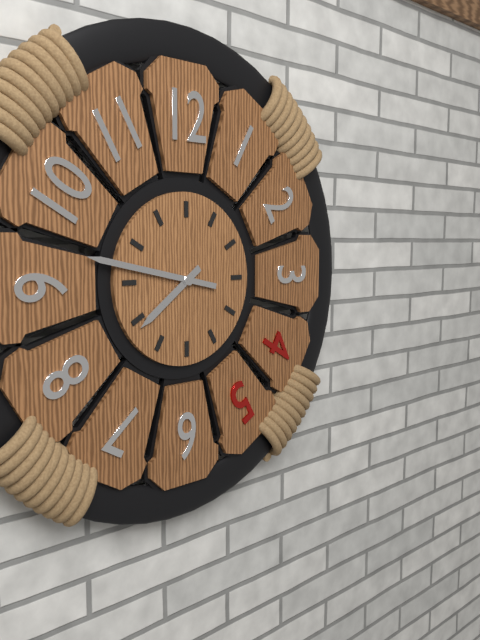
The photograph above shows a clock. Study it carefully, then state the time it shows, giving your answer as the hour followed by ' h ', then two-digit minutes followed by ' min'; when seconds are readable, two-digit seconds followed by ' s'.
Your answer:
7 h 47 min
